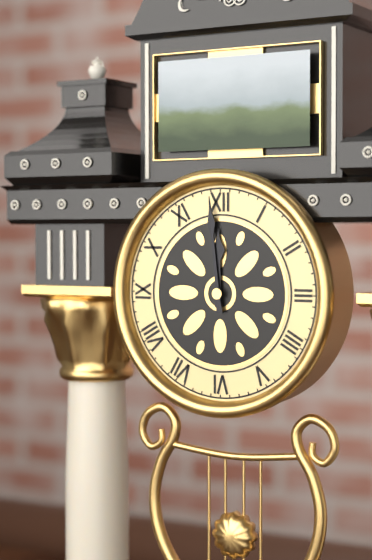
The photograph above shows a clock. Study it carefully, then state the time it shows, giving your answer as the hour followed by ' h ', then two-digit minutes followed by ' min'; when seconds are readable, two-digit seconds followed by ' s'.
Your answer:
11 h 59 min
